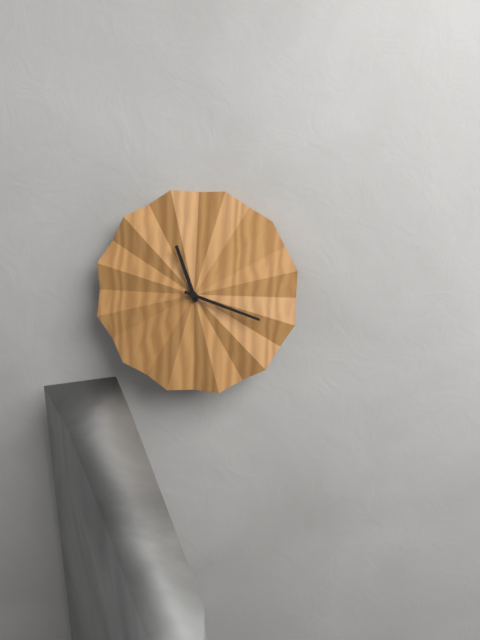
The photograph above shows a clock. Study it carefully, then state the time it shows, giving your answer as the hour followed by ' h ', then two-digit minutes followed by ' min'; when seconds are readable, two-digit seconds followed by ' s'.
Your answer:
11 h 18 min
